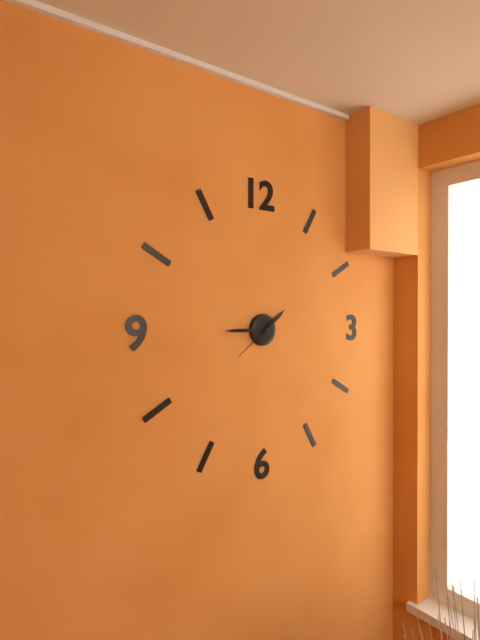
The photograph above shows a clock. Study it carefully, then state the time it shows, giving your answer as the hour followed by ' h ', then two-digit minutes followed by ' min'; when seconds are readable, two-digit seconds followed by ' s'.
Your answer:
1 h 45 min
